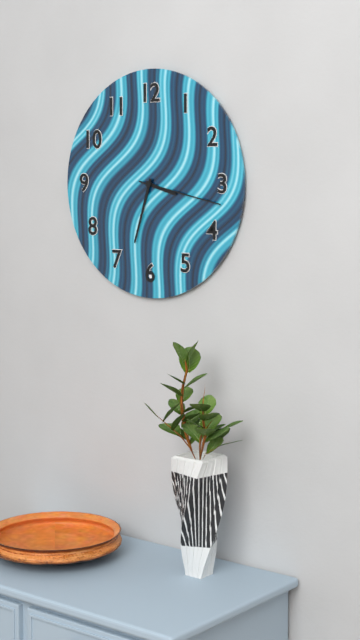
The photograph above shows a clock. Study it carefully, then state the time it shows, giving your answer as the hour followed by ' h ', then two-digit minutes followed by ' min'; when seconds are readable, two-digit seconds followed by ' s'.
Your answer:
3 h 33 min 17 s
